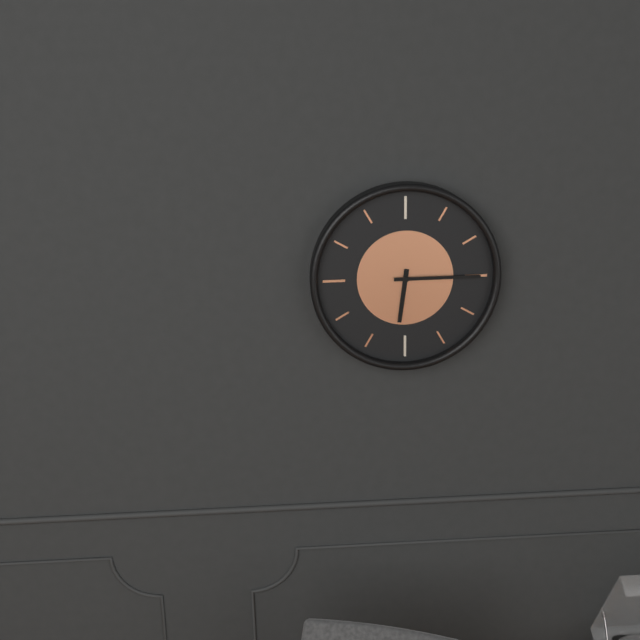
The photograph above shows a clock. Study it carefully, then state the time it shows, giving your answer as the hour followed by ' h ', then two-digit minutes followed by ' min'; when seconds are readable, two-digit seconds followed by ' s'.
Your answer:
6 h 15 min
